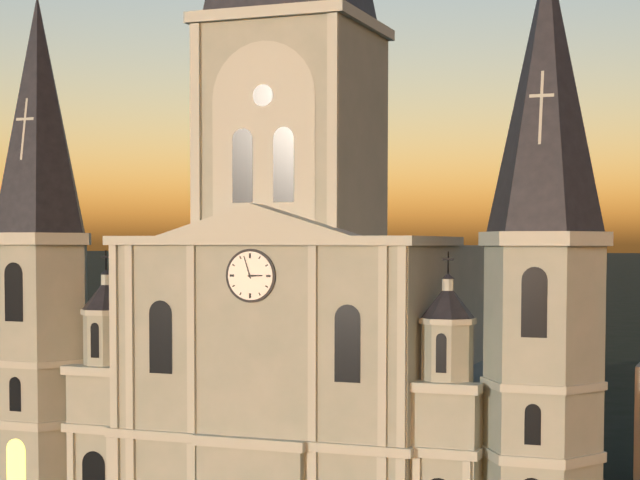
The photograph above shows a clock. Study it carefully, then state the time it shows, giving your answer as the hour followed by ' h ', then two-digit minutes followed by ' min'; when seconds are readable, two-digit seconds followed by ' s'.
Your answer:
2 h 57 min
